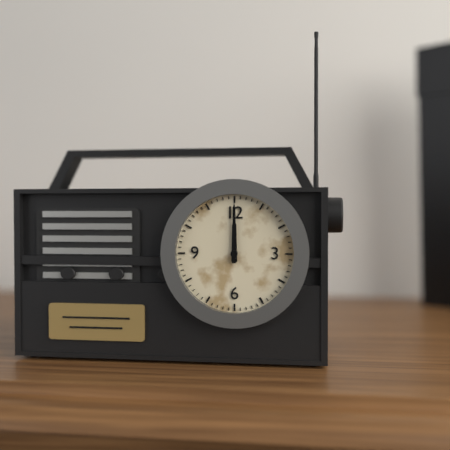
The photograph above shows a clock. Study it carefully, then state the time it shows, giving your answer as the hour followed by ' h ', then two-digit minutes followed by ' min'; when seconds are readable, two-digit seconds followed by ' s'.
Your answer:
12 h 00 min
